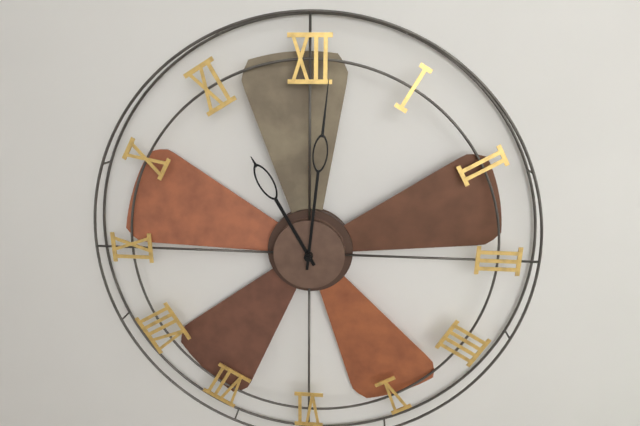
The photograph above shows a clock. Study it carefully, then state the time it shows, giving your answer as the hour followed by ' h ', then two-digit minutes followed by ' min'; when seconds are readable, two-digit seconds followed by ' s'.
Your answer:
11 h 01 min
